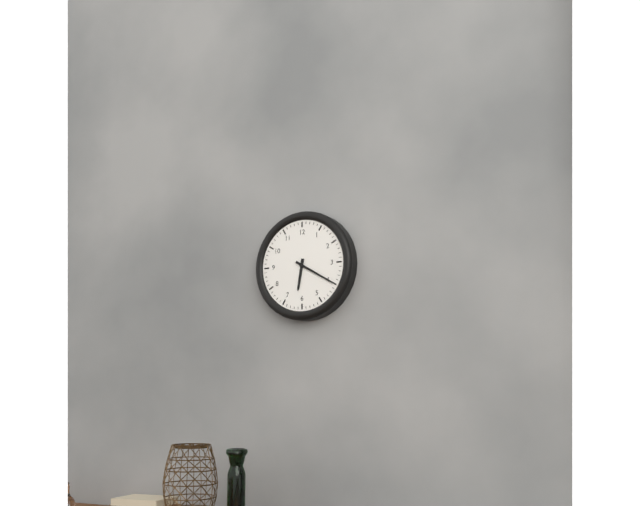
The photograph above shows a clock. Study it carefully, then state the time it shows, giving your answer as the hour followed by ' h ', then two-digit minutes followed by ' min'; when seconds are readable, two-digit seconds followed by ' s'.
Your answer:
6 h 20 min
